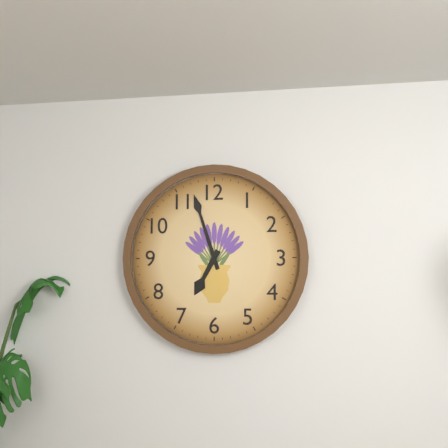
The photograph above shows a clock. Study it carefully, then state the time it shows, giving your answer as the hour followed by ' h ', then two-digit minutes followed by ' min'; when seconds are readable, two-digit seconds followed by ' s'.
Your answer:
6 h 57 min
